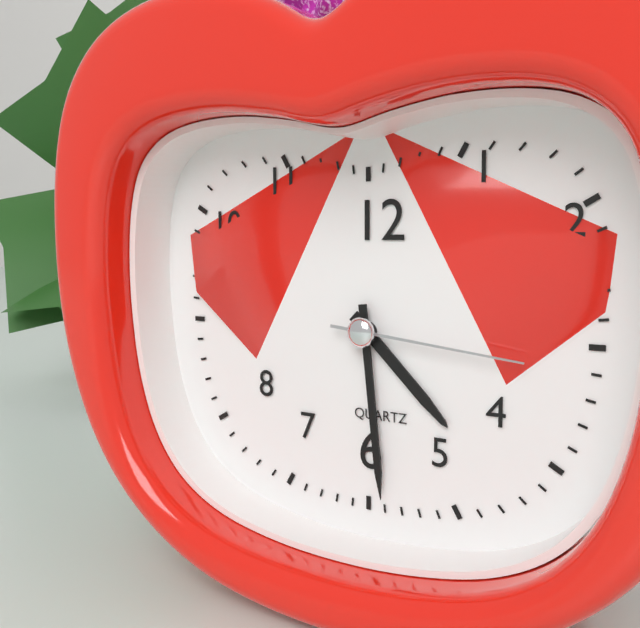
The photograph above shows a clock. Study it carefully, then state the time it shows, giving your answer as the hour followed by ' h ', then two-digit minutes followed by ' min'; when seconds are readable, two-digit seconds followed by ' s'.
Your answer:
4 h 29 min 16 s
